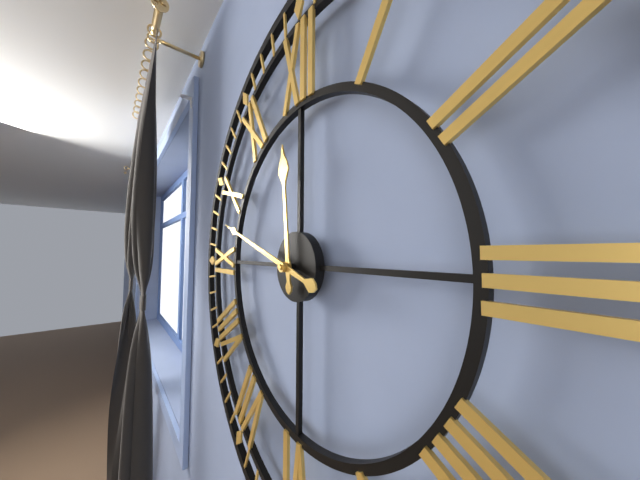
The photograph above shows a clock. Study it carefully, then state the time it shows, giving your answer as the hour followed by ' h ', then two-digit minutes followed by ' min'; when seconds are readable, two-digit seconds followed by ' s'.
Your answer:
11 h 48 min
